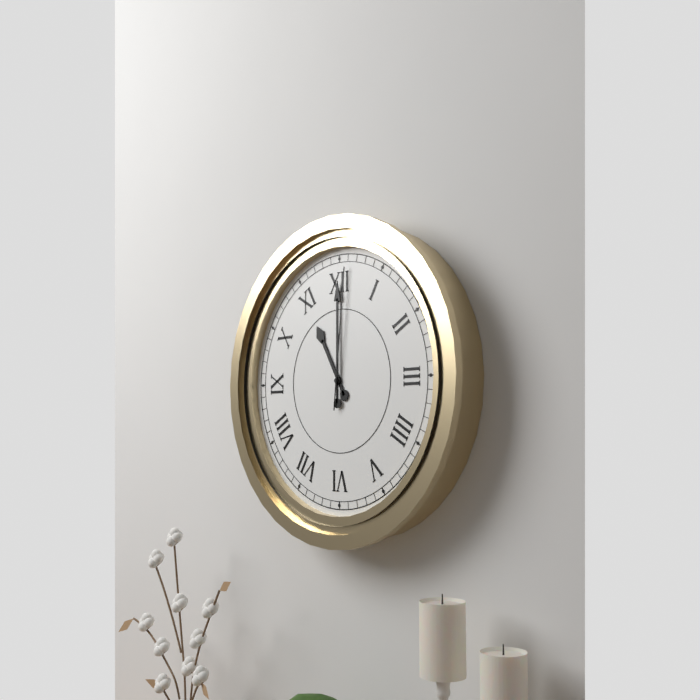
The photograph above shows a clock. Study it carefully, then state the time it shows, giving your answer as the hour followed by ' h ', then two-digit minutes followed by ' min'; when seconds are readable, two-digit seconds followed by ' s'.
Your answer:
11 h 00 min 01 s
